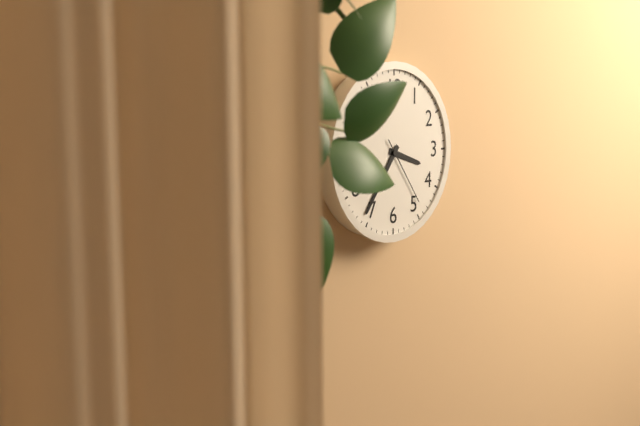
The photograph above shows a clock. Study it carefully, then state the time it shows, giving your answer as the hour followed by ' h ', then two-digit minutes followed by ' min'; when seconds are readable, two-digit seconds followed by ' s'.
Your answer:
3 h 36 min 24 s
